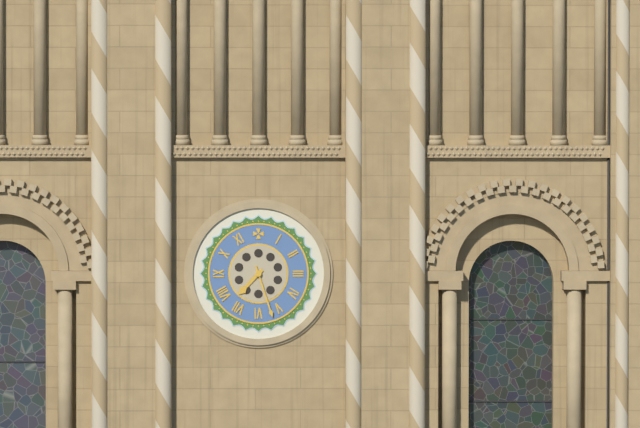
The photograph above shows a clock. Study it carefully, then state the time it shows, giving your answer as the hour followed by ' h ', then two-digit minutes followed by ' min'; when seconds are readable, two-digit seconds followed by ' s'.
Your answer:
7 h 27 min
